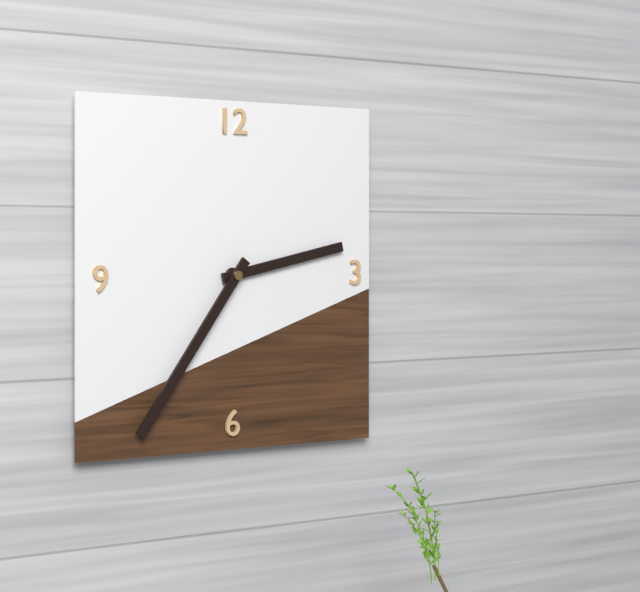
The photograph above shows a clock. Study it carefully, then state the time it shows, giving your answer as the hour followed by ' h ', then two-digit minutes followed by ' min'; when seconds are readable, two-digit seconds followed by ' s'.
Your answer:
2 h 36 min
